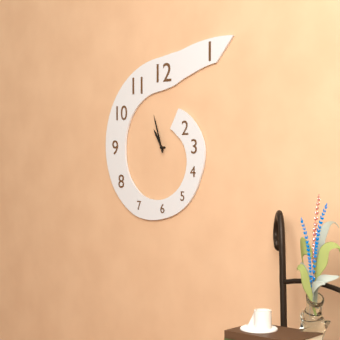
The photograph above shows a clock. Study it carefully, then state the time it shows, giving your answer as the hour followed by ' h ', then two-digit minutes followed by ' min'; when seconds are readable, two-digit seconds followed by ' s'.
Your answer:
10 h 57 min
